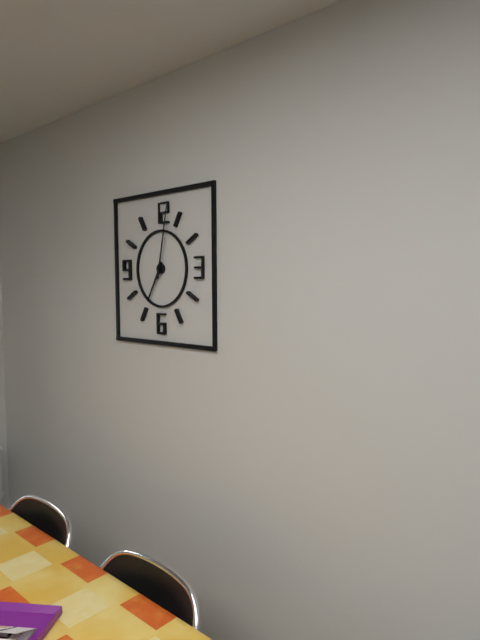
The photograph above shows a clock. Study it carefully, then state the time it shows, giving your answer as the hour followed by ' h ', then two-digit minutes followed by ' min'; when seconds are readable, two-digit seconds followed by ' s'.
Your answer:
7 h 02 min
